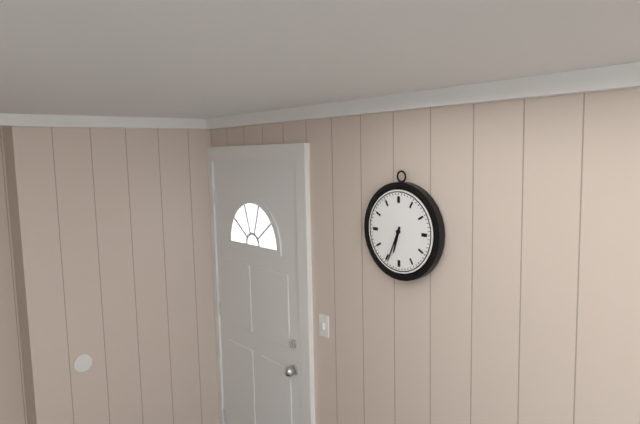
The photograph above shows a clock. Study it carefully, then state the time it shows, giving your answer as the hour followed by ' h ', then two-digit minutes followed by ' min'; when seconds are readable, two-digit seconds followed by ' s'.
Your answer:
6 h 34 min
